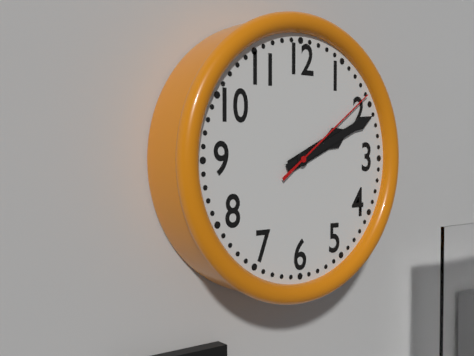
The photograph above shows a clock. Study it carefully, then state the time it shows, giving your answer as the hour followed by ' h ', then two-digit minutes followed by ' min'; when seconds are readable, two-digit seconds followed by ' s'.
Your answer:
2 h 11 min 09 s
